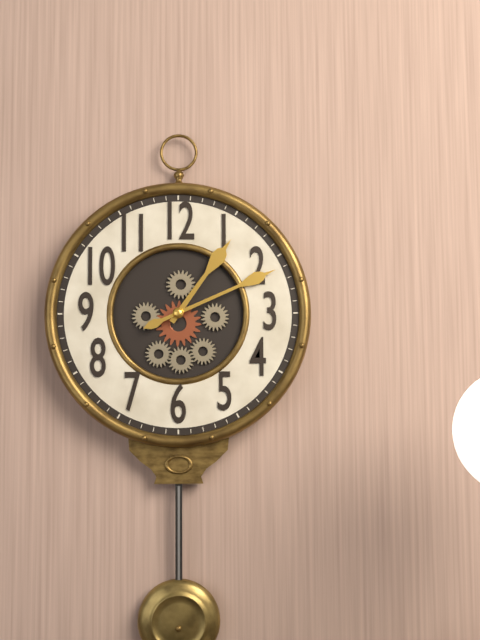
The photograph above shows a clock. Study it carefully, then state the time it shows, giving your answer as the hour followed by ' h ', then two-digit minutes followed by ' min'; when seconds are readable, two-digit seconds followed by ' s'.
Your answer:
1 h 11 min
